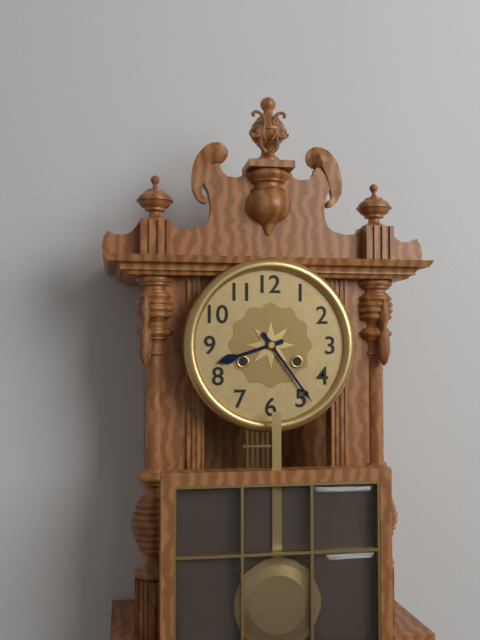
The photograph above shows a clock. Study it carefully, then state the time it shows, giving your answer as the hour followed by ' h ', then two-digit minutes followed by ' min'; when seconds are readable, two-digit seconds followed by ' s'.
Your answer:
8 h 24 min
